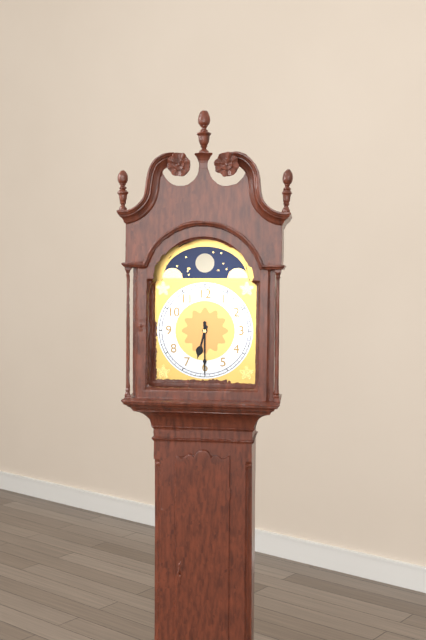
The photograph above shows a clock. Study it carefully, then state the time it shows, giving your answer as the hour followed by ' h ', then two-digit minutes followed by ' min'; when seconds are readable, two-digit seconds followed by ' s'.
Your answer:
6 h 30 min
